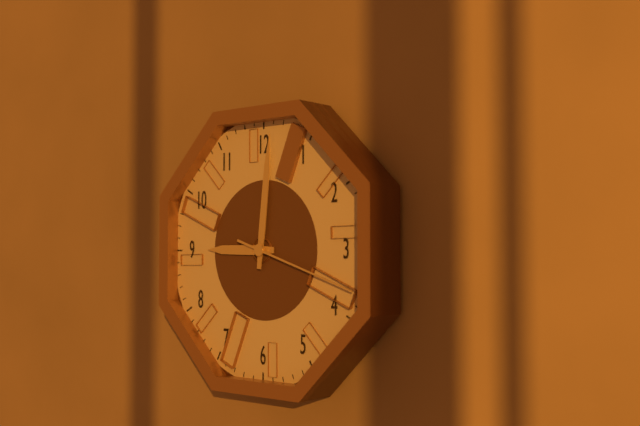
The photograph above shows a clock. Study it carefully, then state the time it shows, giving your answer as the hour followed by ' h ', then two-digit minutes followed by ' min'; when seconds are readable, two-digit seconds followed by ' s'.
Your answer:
9 h 01 min 18 s
